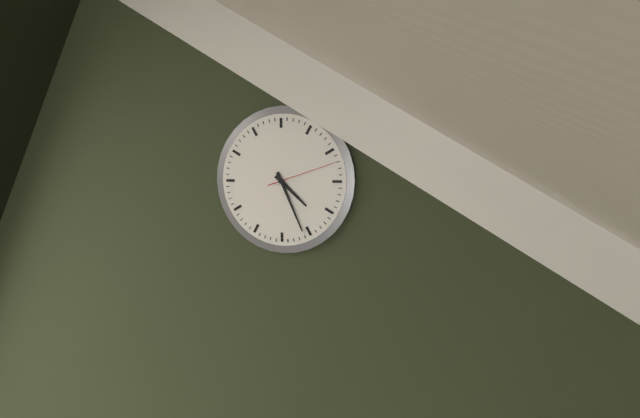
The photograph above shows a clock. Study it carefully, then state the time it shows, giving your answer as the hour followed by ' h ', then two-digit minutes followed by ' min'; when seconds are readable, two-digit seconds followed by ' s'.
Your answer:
4 h 26 min 12 s
